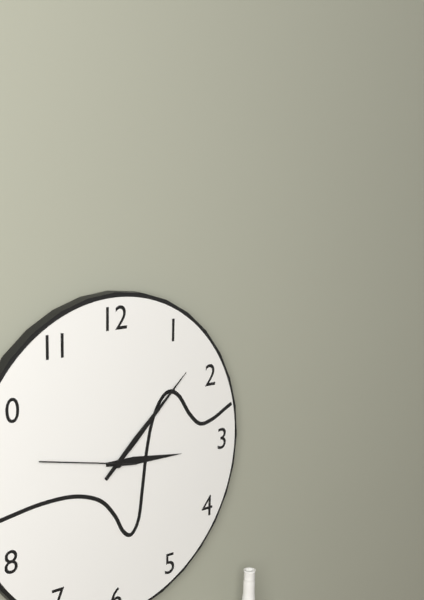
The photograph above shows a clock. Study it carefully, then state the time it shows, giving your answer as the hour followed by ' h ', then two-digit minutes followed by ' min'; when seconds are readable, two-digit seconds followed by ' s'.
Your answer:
3 h 08 min 47 s
